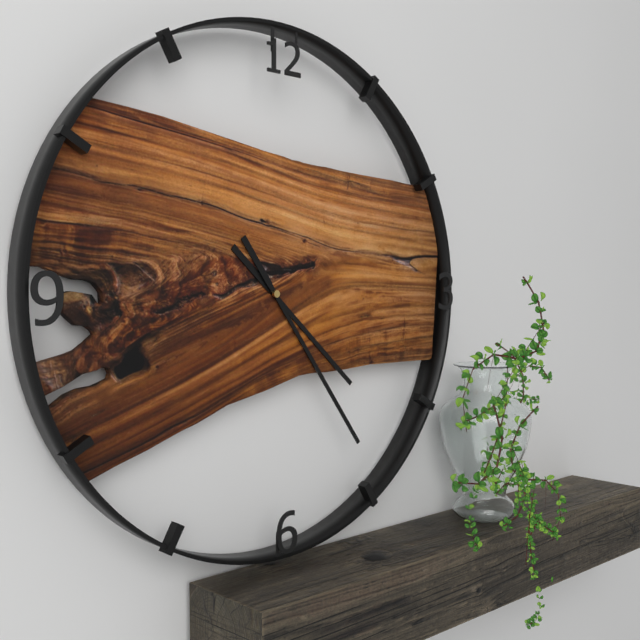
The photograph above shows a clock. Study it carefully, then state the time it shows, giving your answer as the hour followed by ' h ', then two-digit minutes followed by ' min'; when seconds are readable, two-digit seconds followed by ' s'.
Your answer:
4 h 24 min
